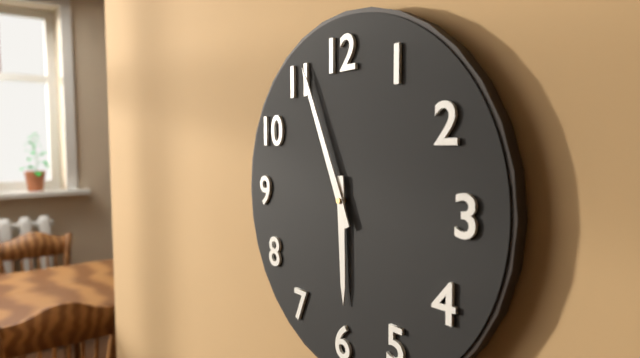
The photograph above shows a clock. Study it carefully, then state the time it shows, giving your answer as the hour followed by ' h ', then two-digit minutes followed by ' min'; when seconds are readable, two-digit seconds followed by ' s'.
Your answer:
5 h 56 min
